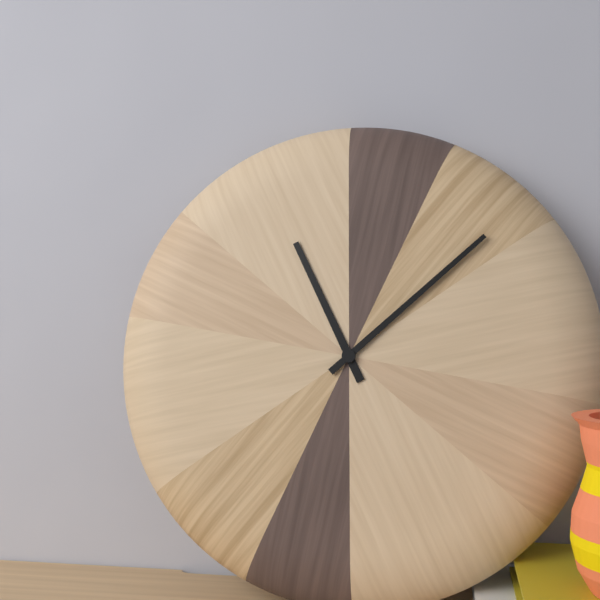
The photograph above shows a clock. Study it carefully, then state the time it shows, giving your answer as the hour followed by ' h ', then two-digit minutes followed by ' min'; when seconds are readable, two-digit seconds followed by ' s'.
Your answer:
11 h 08 min
